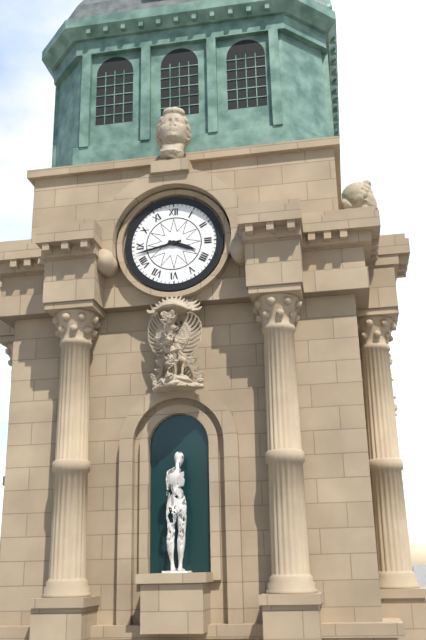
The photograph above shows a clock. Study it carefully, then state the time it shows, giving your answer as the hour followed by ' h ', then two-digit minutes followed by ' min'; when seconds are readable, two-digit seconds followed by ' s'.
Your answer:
3 h 43 min
